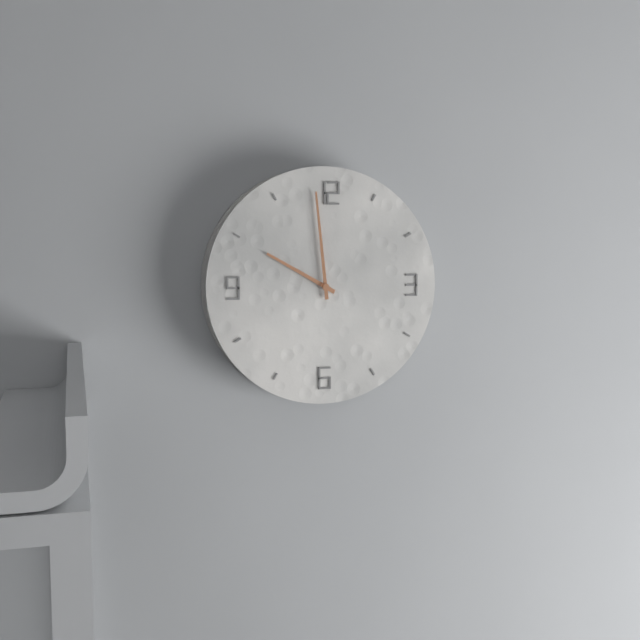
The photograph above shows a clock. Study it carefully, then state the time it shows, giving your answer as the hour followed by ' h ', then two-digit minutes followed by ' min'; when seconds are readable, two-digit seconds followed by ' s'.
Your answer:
9 h 59 min
